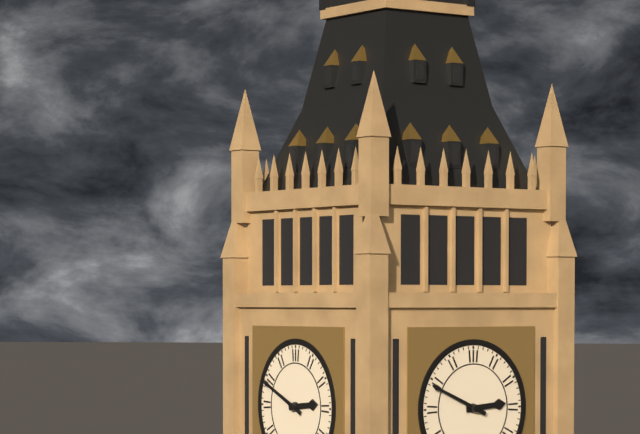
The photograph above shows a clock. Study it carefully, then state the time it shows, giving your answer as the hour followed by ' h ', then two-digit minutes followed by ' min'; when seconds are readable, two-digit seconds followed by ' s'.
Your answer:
2 h 49 min
